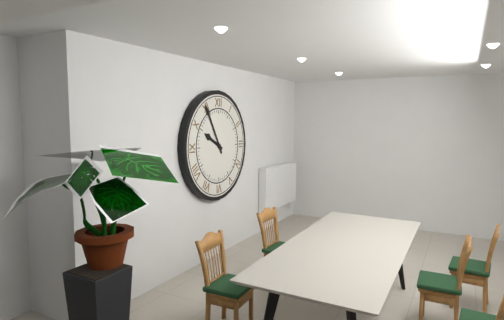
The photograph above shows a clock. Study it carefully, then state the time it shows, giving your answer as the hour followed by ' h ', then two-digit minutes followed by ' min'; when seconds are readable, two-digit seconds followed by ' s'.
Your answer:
9 h 55 min
